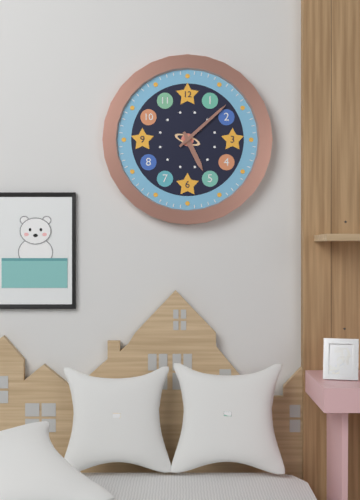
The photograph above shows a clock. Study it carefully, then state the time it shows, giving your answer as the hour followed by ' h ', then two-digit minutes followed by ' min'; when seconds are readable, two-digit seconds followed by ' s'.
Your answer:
5 h 08 min
